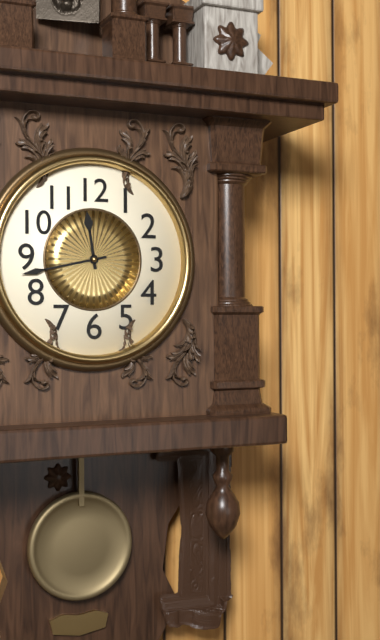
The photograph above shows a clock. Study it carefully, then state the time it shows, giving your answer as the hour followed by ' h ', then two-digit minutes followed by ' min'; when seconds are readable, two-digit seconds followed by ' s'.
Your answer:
11 h 43 min
